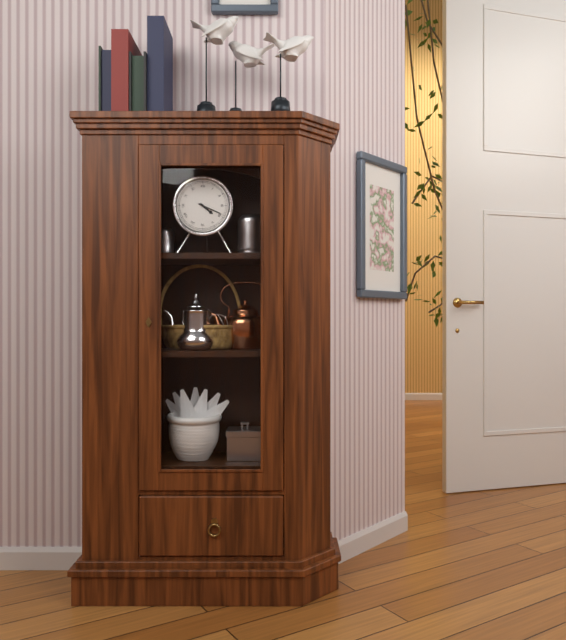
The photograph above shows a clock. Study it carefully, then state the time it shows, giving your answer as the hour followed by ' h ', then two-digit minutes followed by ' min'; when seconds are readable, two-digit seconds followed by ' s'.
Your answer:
4 h 19 min
